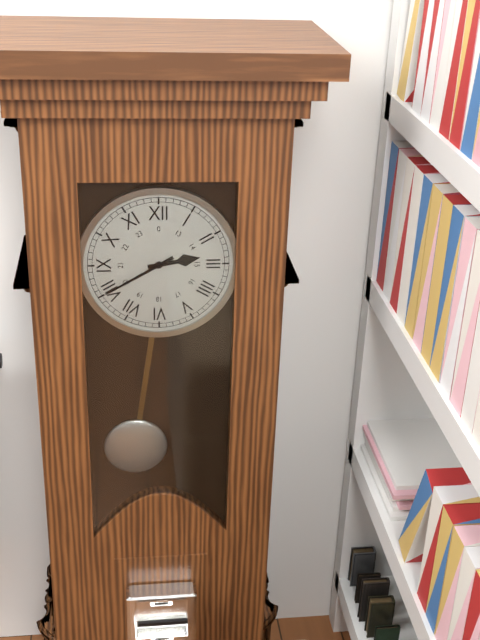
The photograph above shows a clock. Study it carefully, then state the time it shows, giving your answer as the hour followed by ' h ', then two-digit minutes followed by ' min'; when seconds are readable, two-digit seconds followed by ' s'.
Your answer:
2 h 40 min
